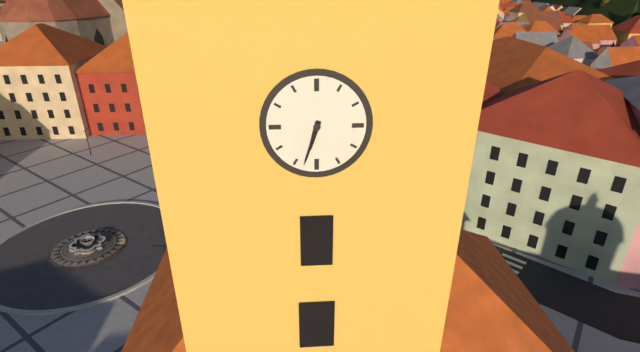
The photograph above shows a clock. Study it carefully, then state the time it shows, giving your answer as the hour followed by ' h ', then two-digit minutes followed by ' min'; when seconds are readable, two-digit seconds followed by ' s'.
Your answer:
6 h 33 min
